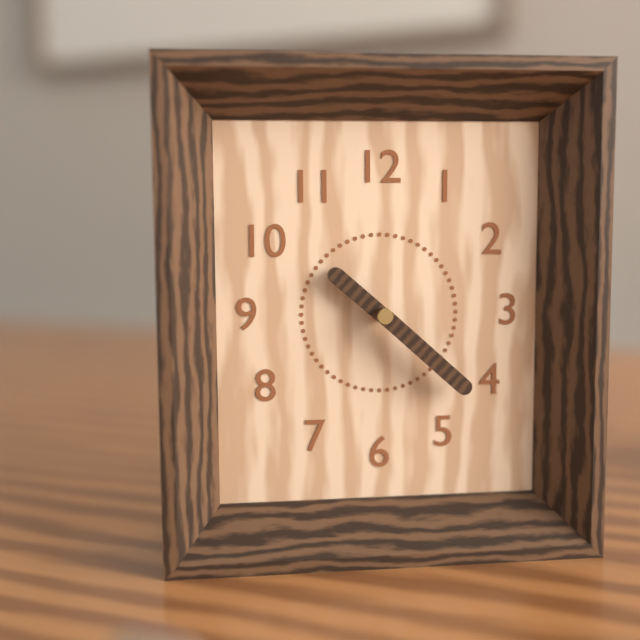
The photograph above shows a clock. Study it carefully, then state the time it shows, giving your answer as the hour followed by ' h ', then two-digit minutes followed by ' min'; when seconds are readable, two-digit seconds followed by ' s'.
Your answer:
10 h 22 min
